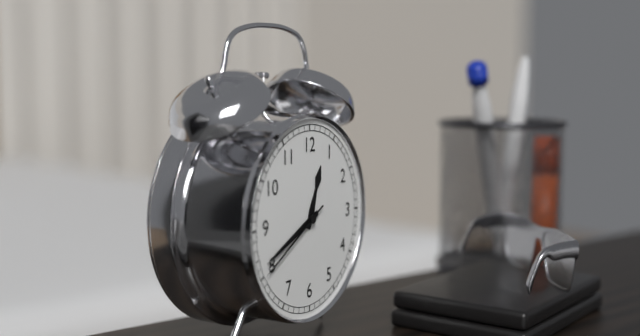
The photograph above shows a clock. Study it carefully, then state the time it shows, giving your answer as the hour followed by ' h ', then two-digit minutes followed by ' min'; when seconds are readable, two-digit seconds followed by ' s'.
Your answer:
12 h 41 min 40 s
